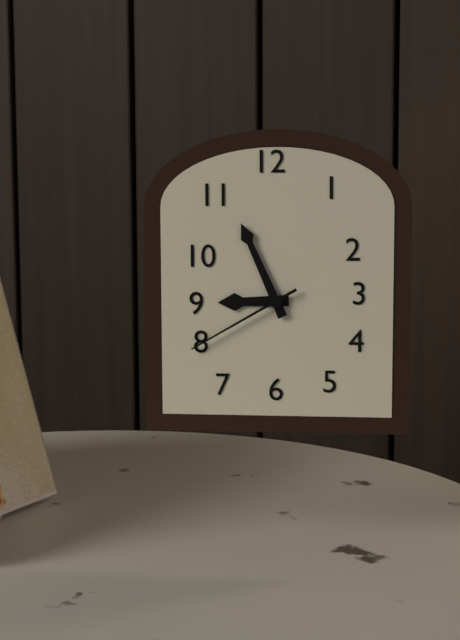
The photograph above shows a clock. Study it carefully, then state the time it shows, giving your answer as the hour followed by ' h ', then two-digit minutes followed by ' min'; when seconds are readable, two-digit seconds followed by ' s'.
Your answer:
8 h 56 min 40 s
